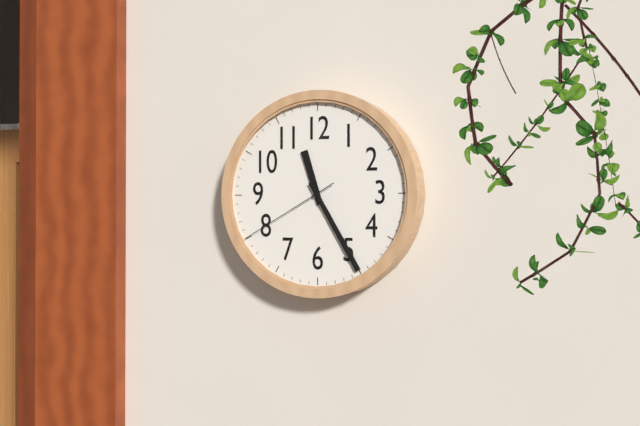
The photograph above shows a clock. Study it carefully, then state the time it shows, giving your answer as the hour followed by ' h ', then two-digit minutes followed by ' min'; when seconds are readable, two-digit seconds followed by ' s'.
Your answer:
11 h 25 min 40 s
